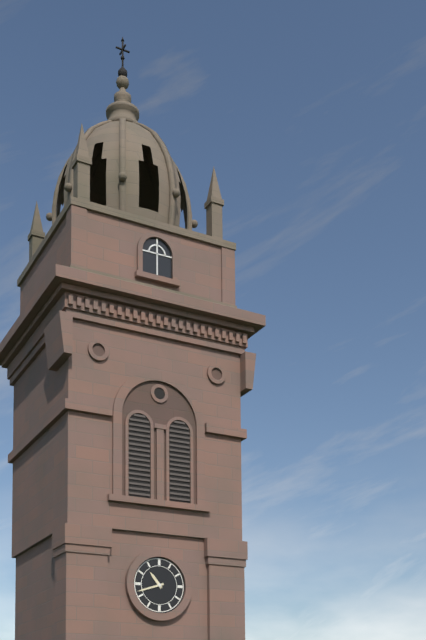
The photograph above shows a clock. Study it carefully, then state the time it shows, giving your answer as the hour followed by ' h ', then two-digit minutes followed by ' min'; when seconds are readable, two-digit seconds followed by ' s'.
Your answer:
10 h 42 min
